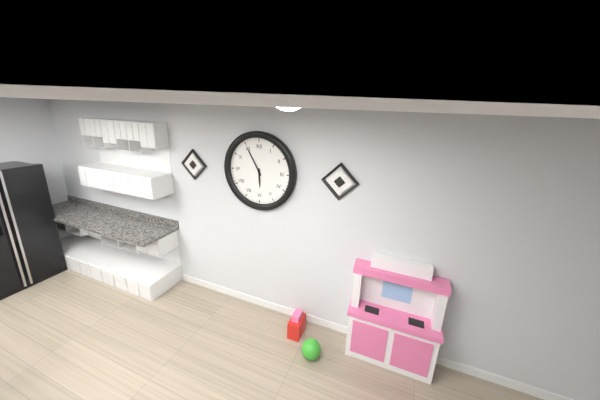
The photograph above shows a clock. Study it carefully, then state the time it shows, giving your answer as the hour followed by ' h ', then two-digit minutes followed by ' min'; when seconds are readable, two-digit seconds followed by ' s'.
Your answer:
5 h 55 min
